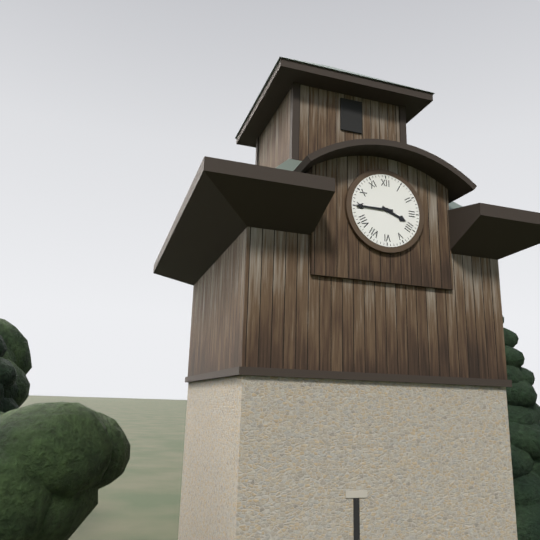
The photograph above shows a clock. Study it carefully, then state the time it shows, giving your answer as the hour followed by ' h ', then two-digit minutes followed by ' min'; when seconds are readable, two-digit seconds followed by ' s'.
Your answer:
3 h 45 min
